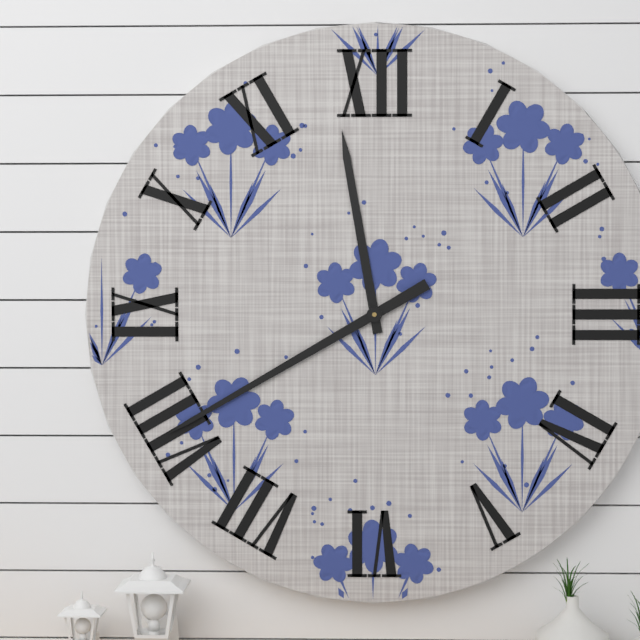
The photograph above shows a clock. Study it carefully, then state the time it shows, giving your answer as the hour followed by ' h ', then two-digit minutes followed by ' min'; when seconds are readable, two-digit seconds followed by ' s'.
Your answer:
11 h 40 min
